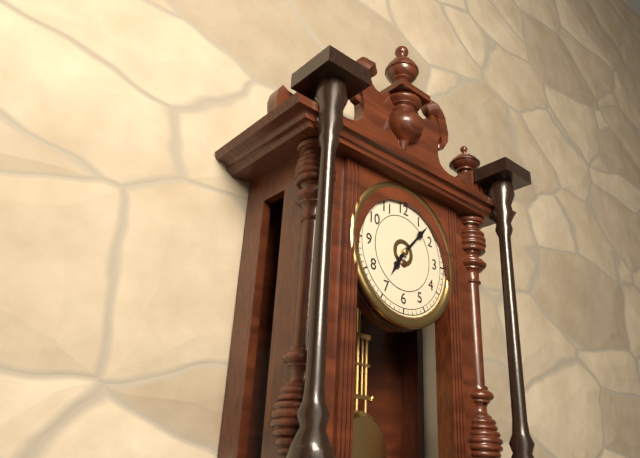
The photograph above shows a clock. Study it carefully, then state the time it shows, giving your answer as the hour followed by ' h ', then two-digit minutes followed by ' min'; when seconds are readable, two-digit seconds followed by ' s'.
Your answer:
7 h 07 min
